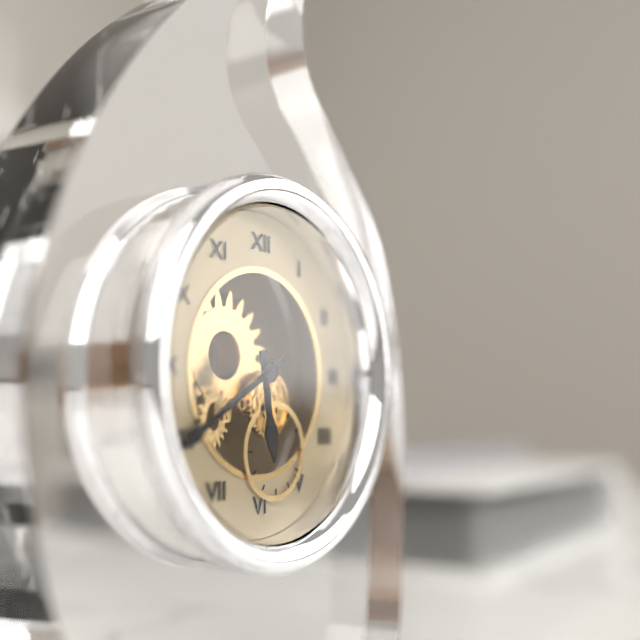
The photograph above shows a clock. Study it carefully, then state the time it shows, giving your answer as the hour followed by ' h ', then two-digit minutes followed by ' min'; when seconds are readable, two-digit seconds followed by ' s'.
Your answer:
5 h 40 min
